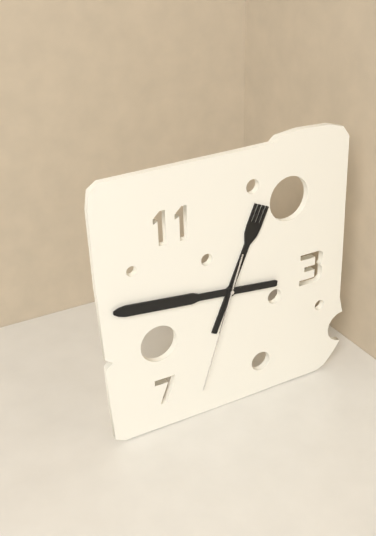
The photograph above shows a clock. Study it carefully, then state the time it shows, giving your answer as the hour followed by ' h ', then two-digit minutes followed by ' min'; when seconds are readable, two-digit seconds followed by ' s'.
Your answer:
12 h 46 min 33 s
